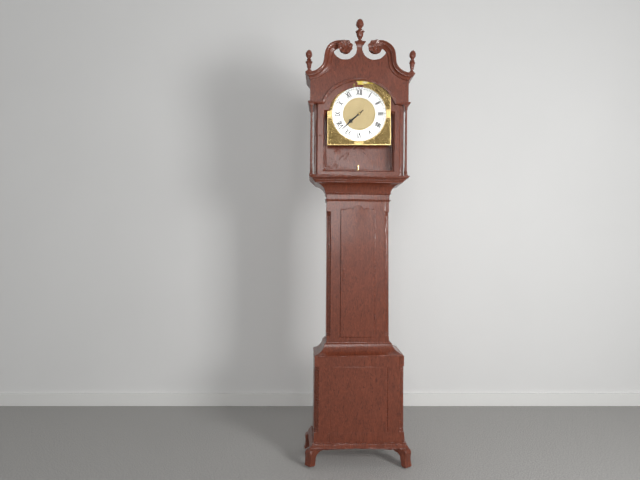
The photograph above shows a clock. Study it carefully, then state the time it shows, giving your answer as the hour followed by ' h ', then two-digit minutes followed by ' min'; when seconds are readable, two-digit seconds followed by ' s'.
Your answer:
7 h 38 min
